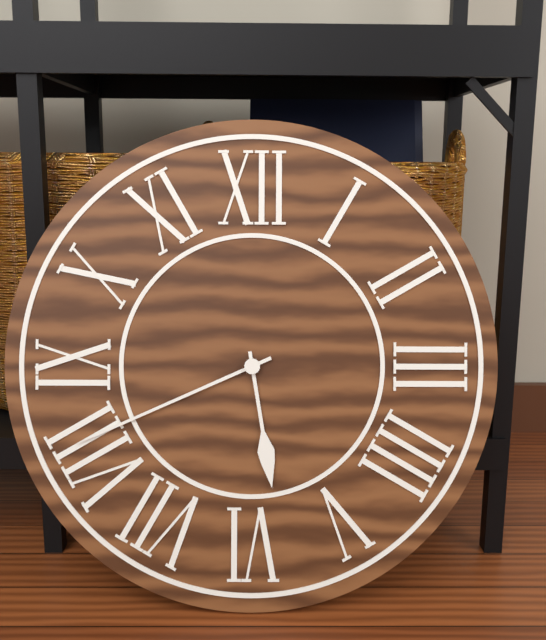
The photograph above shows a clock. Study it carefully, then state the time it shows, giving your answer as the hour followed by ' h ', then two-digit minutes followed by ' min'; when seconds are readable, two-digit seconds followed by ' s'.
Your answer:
5 h 41 min
